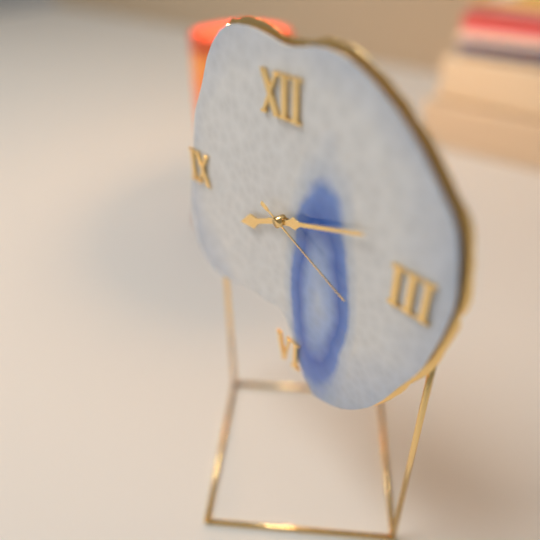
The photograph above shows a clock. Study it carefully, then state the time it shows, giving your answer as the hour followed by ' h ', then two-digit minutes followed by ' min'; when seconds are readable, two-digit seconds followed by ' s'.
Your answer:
8 h 12 min 19 s
